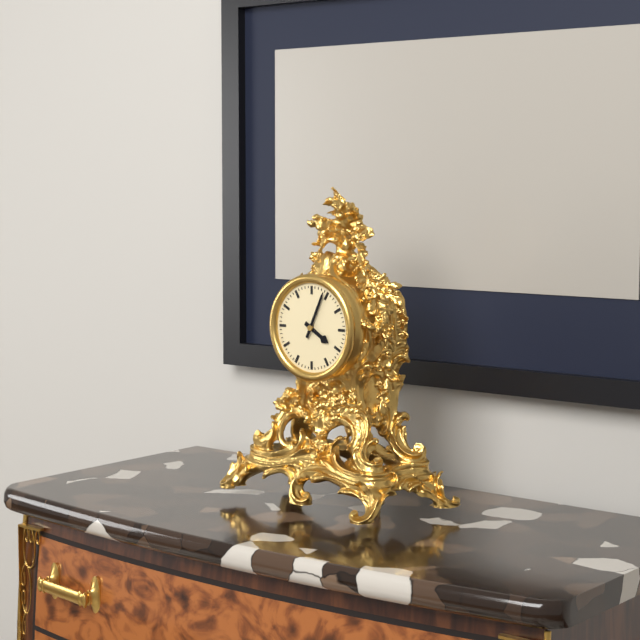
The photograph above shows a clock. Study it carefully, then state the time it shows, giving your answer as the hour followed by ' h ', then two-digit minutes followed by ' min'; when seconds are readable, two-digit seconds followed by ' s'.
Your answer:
4 h 04 min
